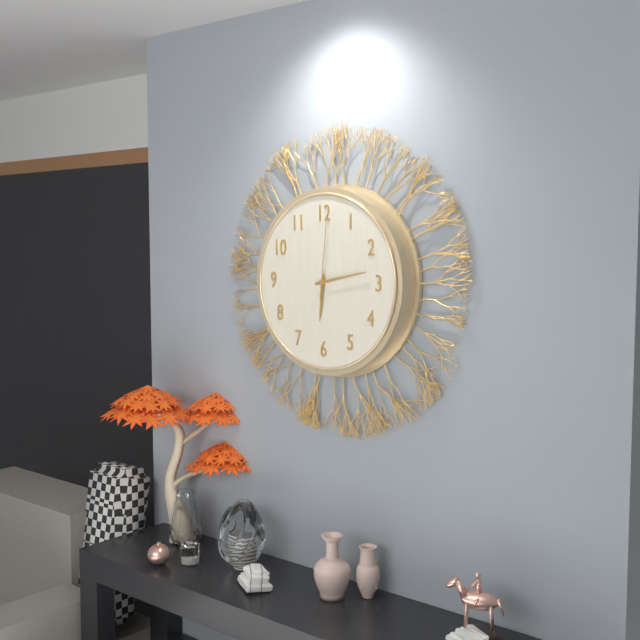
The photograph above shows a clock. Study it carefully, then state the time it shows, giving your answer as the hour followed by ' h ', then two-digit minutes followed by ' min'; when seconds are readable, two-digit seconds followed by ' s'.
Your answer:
6 h 13 min 01 s
